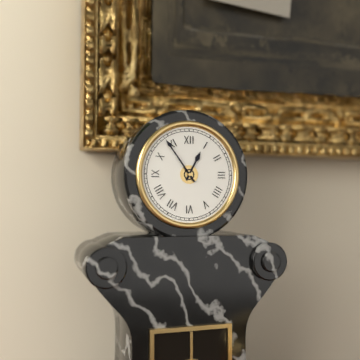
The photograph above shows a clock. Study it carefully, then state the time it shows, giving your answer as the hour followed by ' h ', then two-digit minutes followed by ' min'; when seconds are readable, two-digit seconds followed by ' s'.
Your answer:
12 h 54 min
